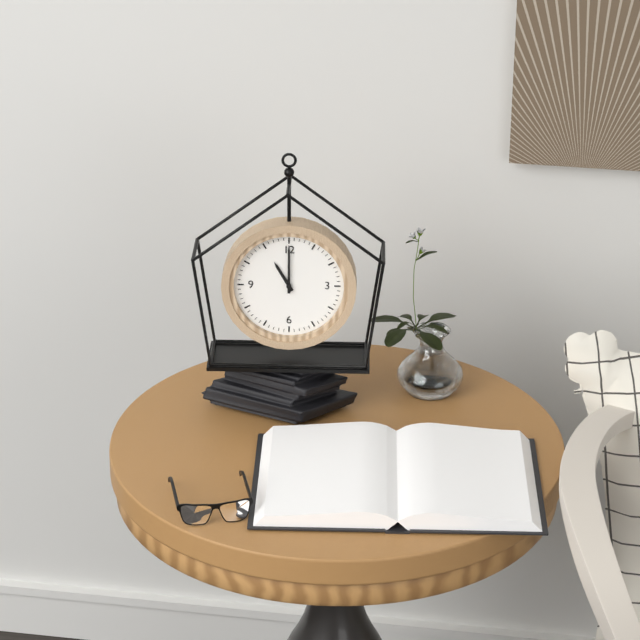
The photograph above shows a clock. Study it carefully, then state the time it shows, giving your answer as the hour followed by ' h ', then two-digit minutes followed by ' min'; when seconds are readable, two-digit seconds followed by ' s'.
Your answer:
11 h 00 min
